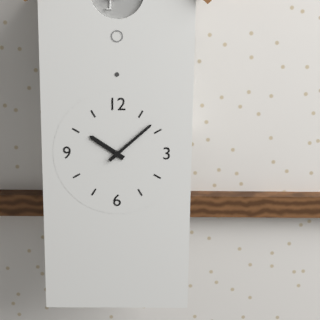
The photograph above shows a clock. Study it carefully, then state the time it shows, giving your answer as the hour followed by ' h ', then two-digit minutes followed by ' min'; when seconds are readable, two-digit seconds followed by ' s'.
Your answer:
10 h 08 min
